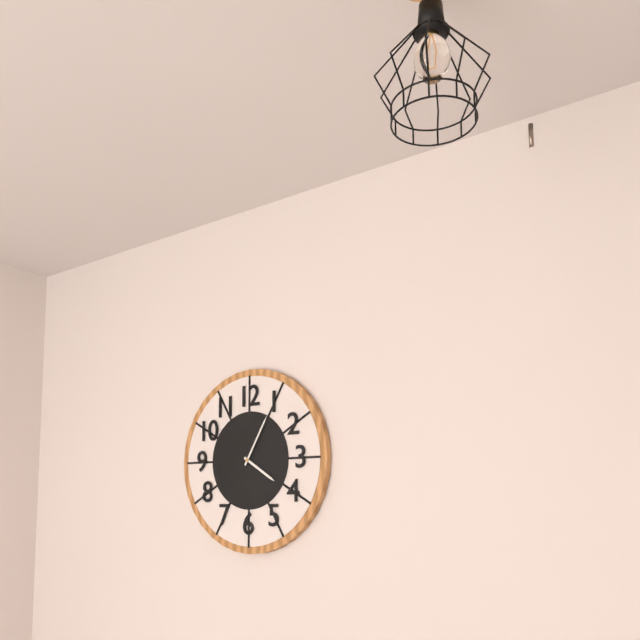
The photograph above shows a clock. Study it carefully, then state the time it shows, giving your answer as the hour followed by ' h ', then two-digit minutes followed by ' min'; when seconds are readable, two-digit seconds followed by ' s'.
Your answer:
4 h 05 min
